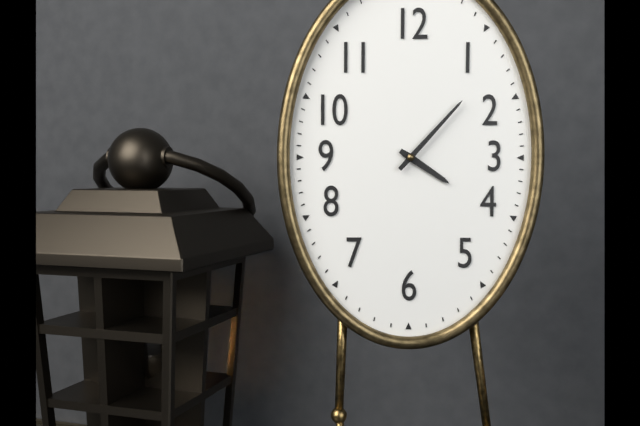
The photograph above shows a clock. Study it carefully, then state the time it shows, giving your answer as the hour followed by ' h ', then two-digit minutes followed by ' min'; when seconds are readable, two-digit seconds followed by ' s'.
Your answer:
4 h 07 min
